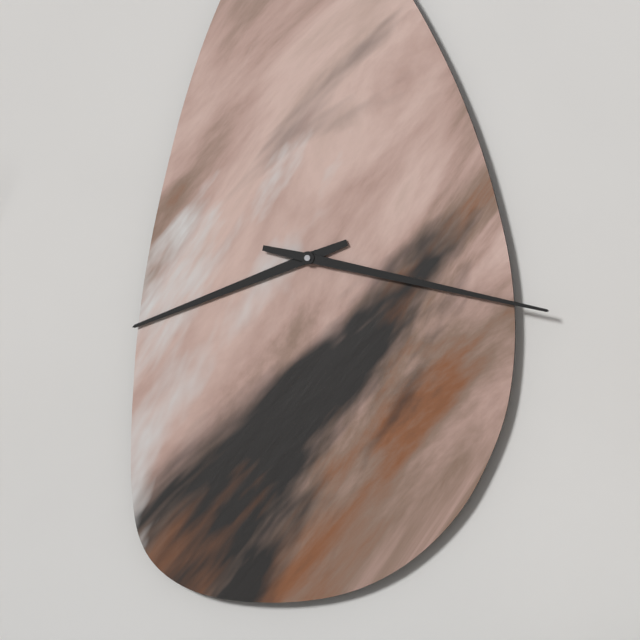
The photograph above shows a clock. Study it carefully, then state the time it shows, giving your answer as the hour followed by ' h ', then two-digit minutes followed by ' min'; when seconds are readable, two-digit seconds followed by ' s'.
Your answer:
8 h 17 min
